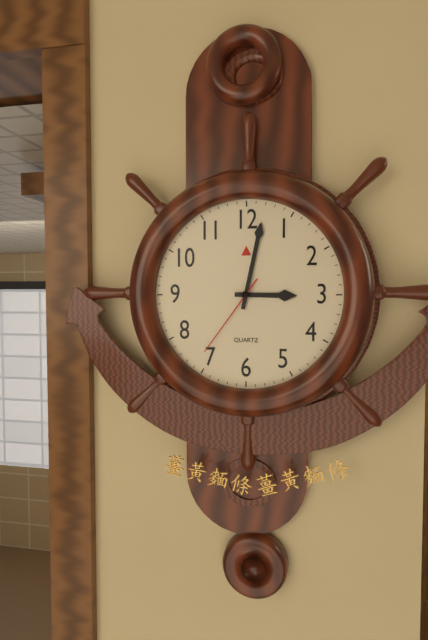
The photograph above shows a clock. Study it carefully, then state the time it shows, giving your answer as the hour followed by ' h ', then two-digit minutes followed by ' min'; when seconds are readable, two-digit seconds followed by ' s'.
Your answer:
3 h 02 min 36 s
